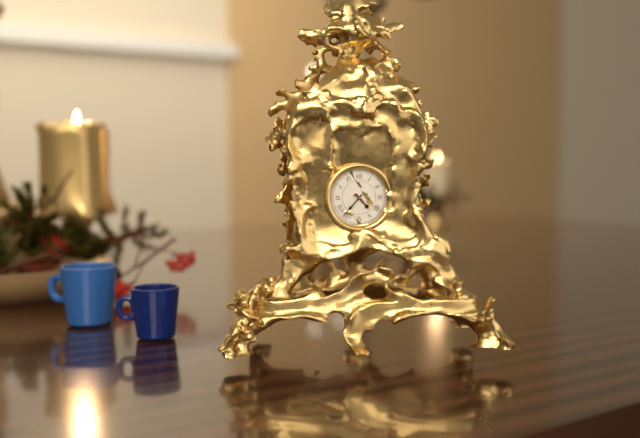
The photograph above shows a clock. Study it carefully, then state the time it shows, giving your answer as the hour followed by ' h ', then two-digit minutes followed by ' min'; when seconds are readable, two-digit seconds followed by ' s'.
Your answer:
4 h 37 min
